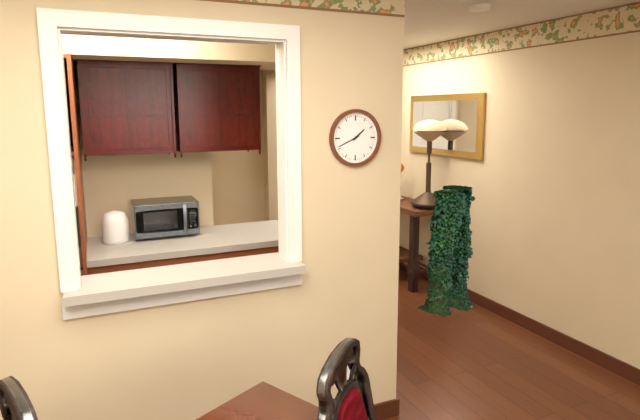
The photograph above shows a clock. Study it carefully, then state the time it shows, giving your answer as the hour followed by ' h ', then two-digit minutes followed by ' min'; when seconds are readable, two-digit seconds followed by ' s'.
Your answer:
1 h 41 min
